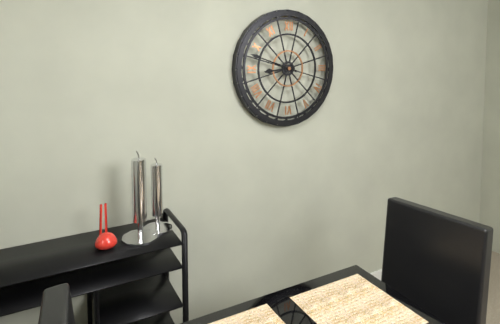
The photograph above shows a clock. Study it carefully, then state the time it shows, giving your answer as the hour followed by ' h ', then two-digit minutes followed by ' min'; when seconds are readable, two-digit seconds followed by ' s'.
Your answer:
8 h 48 min
